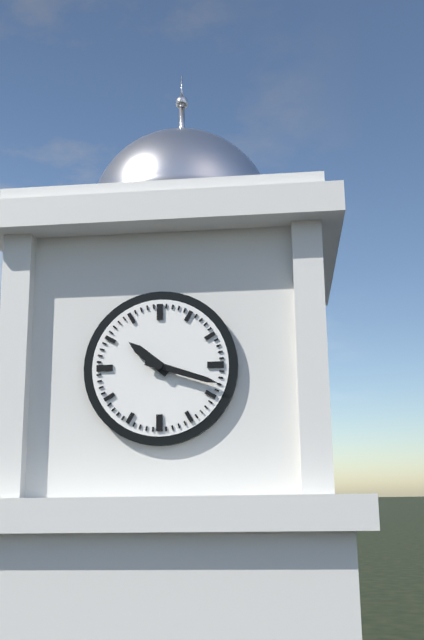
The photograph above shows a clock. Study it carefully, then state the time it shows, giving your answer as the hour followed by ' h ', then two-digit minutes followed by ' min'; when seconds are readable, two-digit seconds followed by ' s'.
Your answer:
10 h 18 min
